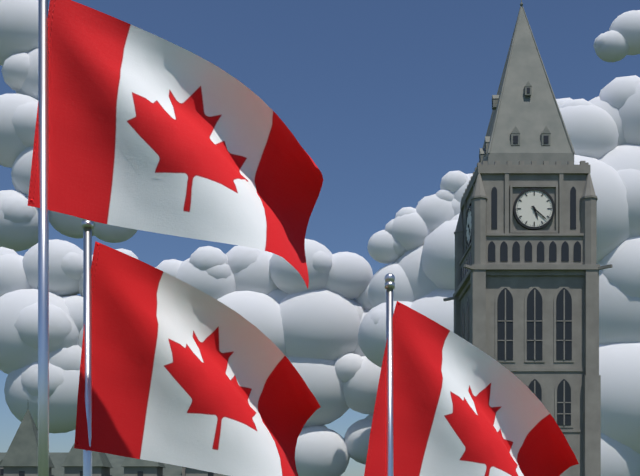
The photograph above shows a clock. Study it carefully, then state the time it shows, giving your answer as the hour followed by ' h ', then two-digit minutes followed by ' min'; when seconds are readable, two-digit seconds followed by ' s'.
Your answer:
5 h 22 min
